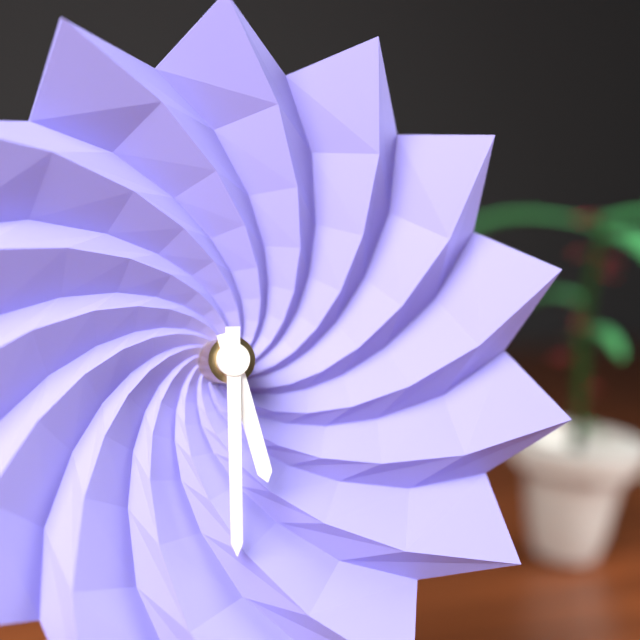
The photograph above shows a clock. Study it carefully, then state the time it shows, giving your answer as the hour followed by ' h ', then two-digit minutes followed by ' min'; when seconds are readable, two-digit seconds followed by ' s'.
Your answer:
5 h 30 min
